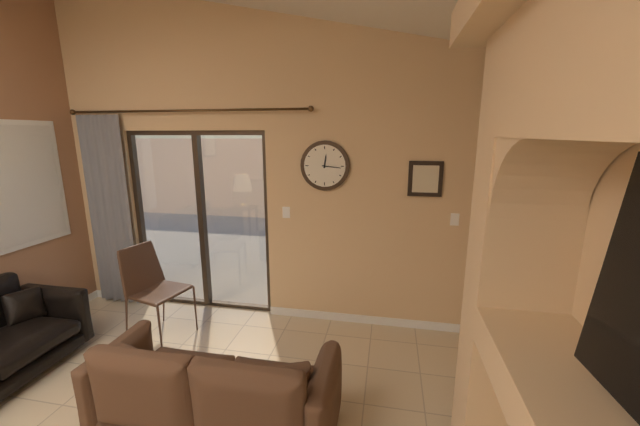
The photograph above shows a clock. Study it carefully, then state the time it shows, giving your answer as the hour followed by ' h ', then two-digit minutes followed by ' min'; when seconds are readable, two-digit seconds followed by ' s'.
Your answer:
12 h 16 min
